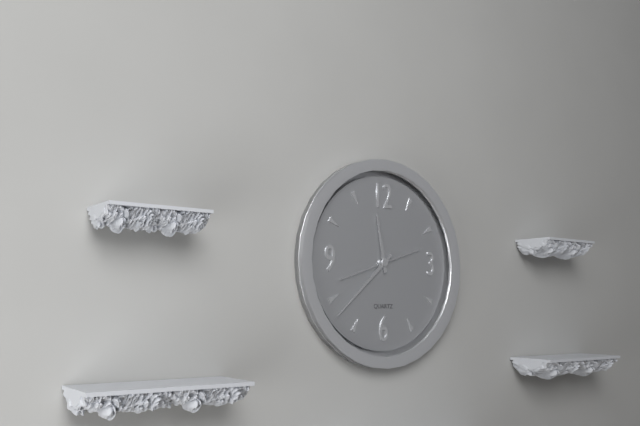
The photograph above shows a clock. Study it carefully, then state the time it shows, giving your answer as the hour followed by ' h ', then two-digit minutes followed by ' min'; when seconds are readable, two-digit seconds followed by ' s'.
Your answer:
11 h 38 min 42 s
